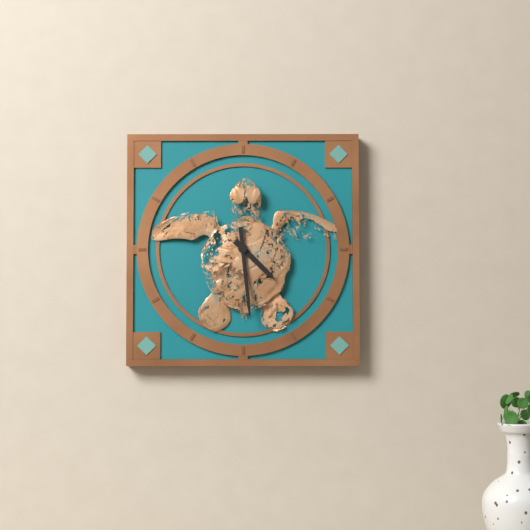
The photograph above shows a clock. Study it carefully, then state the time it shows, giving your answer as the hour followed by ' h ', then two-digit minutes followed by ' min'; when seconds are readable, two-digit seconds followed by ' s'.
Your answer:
4 h 29 min
